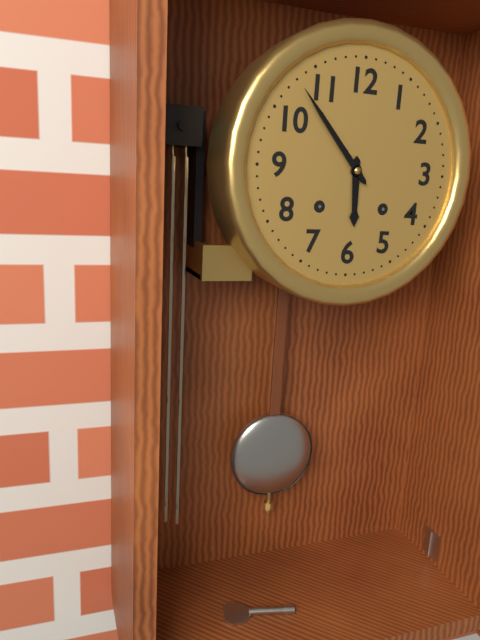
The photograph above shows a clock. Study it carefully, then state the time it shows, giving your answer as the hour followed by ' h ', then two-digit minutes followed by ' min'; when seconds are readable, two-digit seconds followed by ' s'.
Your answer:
5 h 53 min
